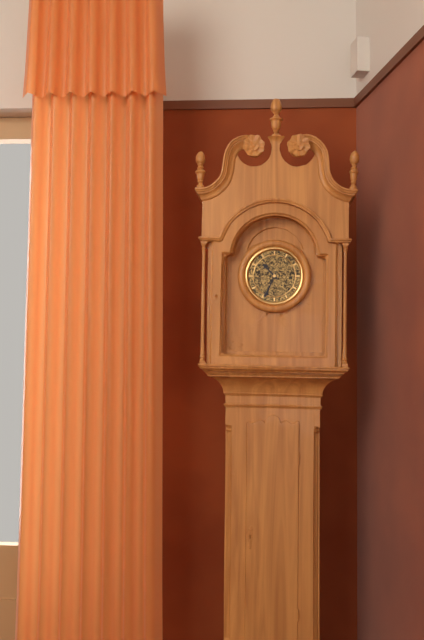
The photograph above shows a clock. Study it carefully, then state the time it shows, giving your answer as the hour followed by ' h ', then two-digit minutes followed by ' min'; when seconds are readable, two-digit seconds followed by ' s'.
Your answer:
10 h 34 min
